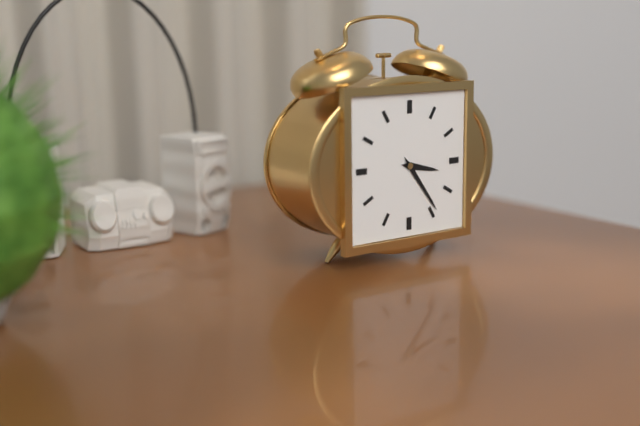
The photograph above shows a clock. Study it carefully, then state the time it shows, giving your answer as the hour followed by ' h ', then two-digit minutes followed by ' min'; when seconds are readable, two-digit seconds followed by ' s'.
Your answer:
3 h 24 min
